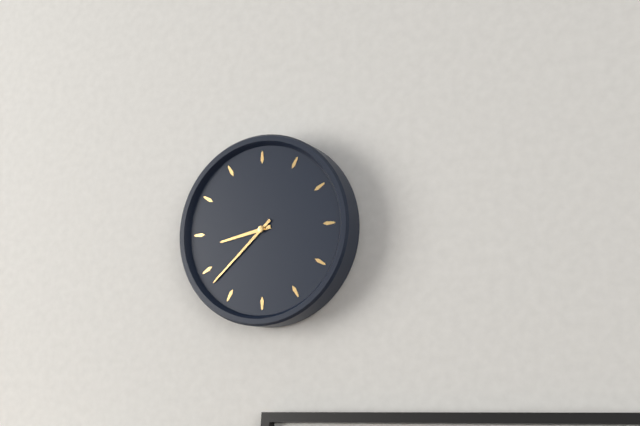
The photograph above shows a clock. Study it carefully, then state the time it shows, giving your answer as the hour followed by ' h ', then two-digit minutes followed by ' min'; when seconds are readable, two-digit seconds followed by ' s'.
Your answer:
8 h 38 min
